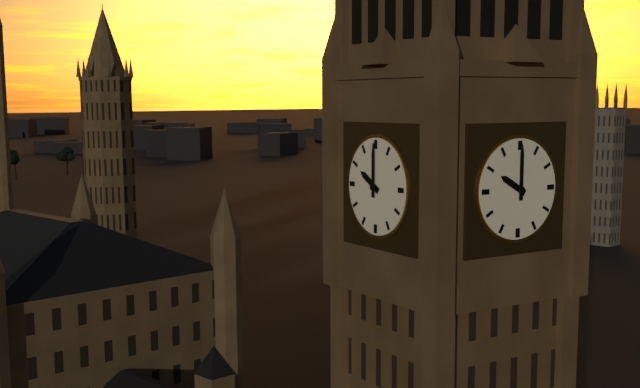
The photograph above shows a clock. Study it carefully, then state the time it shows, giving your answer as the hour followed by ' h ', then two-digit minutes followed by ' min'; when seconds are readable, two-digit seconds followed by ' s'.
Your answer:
10 h 00 min
